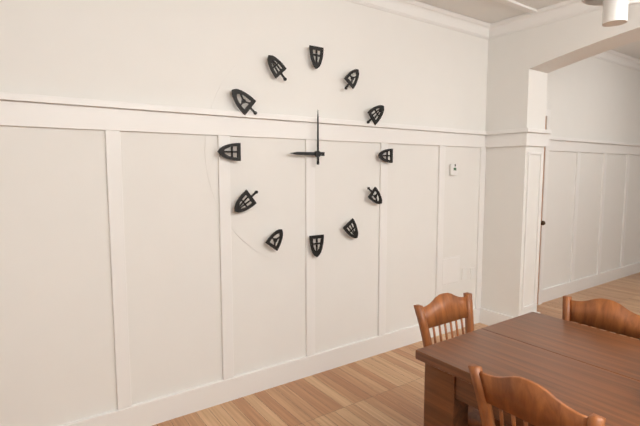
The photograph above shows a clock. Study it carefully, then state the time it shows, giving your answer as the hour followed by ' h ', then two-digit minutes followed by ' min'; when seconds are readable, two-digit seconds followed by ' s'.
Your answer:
9 h 00 min
